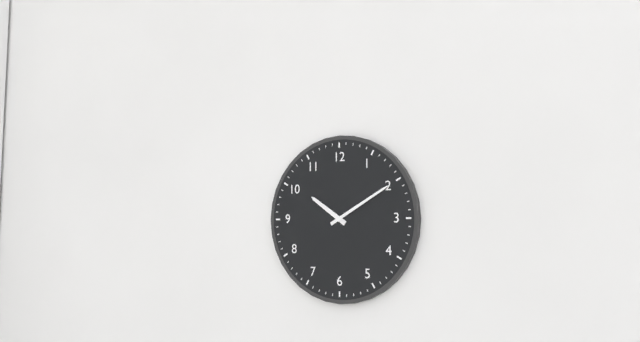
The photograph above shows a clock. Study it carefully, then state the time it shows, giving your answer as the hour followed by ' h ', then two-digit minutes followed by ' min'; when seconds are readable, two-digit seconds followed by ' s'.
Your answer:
10 h 10 min
